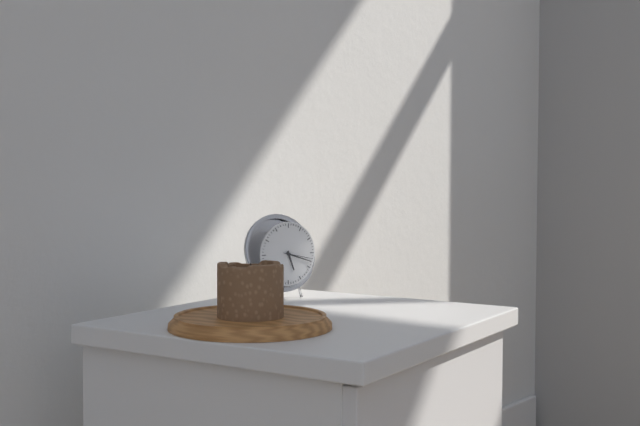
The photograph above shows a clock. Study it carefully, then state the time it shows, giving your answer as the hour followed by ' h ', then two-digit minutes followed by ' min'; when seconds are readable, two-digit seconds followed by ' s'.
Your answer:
5 h 18 min
